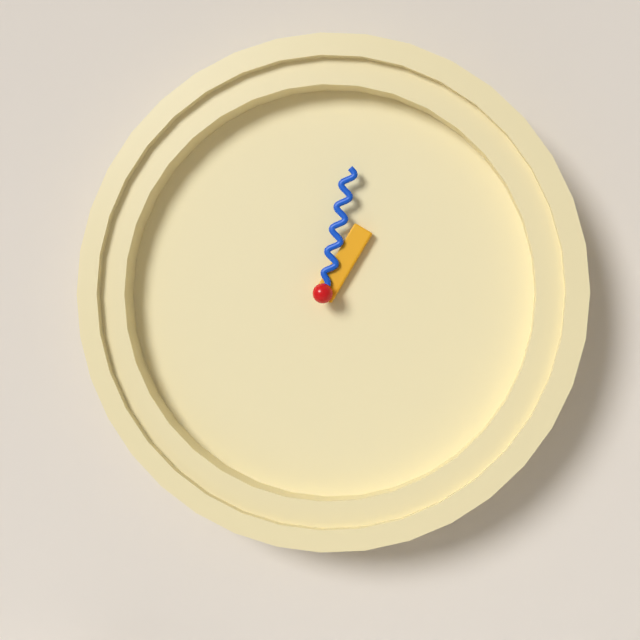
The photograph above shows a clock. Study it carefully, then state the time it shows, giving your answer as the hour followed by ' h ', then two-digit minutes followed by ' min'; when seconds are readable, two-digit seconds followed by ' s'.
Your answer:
1 h 02 min
